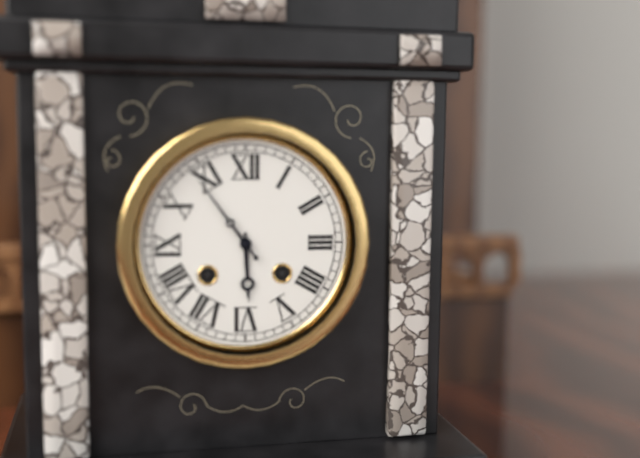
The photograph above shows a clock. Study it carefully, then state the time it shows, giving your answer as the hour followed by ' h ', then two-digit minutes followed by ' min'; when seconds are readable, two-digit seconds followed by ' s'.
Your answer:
5 h 54 min
